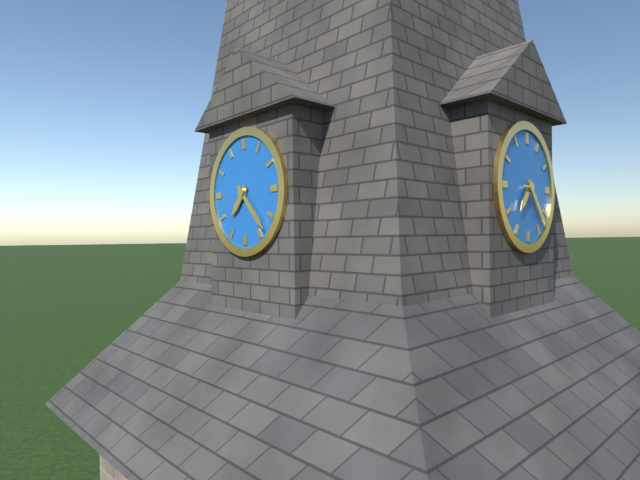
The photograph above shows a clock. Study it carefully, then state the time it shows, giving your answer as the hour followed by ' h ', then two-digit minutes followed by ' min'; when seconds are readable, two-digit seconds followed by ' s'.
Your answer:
7 h 23 min
